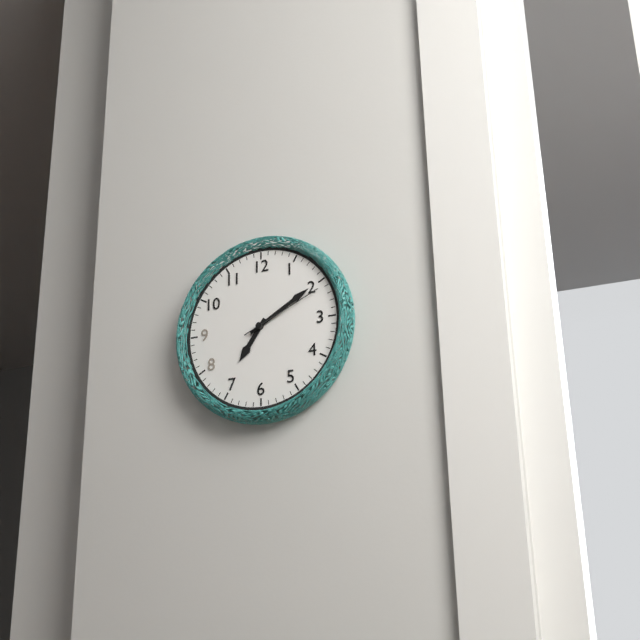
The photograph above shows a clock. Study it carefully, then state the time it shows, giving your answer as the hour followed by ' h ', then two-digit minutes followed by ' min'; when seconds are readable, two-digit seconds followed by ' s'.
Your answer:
7 h 10 min 11 s
